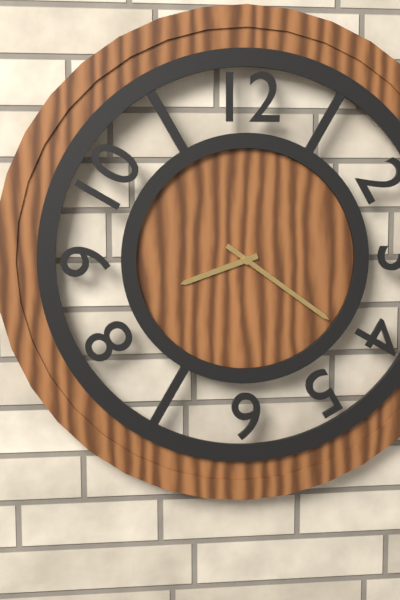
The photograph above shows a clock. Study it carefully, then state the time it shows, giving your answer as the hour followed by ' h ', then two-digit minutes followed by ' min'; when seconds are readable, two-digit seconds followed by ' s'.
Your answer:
8 h 21 min
